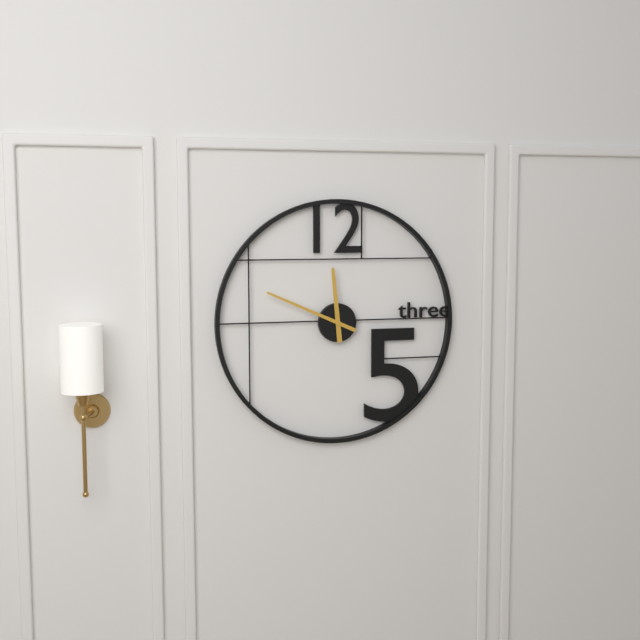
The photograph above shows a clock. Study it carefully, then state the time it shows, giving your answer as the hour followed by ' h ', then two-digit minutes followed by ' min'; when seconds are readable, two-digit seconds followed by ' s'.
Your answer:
11 h 49 min
